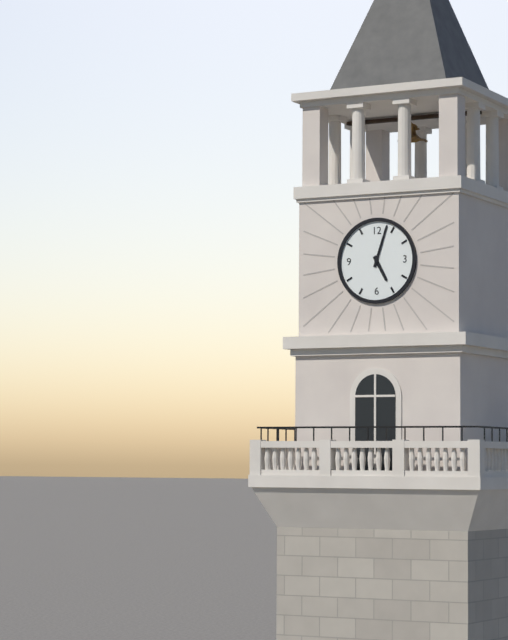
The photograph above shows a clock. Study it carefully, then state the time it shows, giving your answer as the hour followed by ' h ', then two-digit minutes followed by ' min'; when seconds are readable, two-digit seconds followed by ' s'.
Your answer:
5 h 03 min
